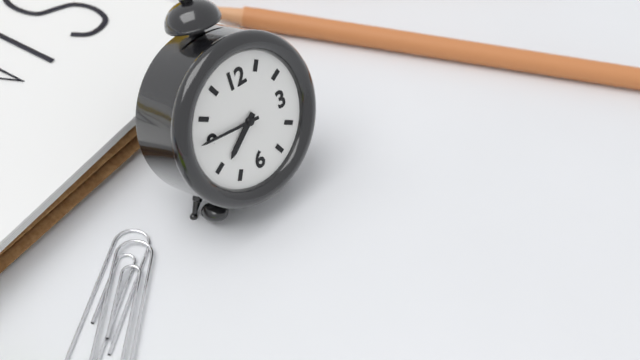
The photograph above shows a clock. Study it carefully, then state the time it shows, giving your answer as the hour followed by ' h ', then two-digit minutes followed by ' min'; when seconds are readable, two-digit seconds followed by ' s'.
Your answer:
7 h 46 min
